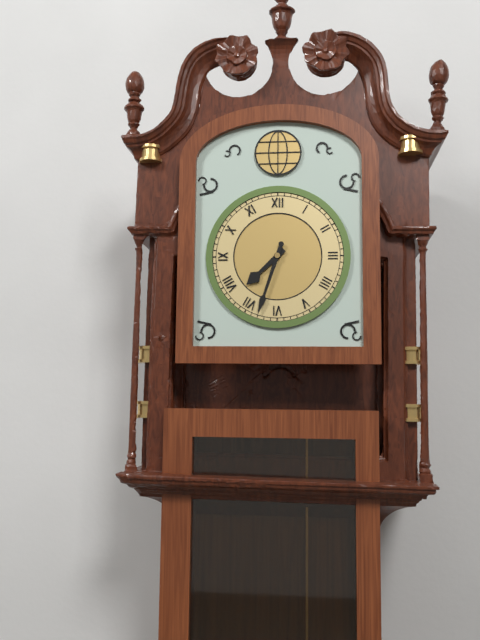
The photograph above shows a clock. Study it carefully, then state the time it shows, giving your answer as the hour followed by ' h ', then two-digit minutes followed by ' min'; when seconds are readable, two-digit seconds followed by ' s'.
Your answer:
7 h 33 min
